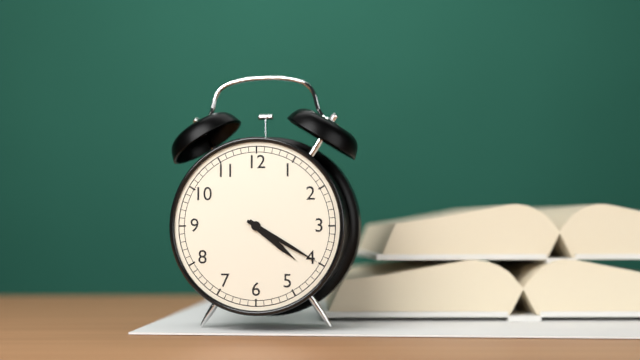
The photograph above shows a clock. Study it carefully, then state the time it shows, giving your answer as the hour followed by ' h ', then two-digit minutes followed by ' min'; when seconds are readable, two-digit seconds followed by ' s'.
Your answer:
4 h 20 min
